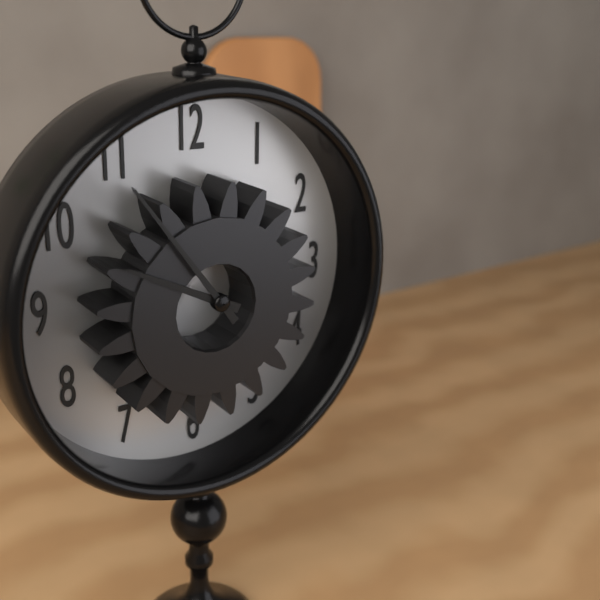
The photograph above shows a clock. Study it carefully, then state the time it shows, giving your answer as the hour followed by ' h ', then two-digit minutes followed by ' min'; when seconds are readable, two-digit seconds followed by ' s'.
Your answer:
9 h 54 min
